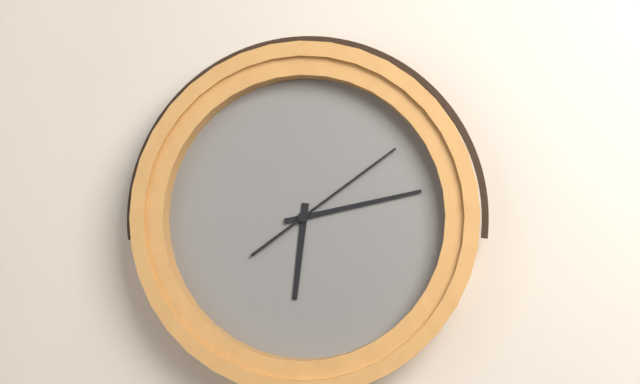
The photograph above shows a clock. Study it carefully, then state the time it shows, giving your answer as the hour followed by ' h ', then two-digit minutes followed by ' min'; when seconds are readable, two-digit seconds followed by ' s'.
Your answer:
6 h 13 min 09 s
